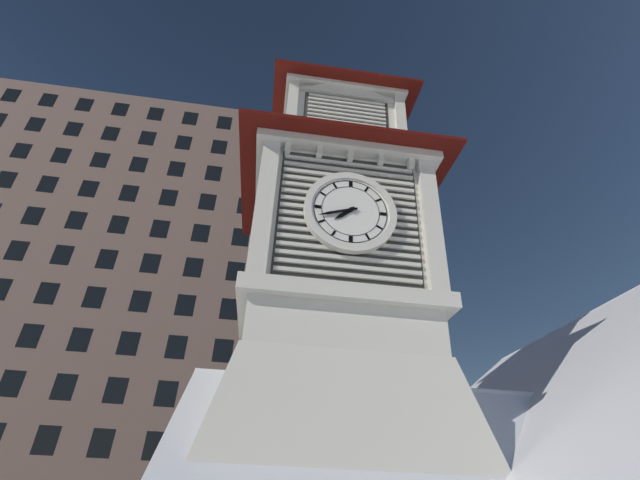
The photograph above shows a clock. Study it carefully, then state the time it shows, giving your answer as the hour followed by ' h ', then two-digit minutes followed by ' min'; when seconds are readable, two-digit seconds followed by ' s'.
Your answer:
7 h 42 min
